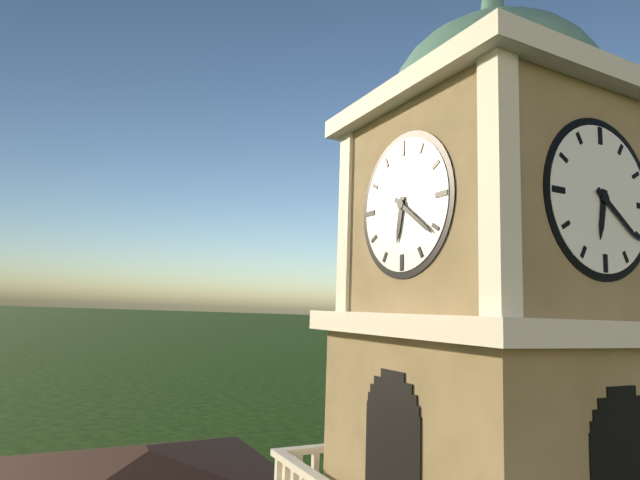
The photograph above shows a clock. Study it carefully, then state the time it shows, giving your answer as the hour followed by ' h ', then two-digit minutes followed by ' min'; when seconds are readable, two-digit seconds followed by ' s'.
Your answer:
6 h 21 min
